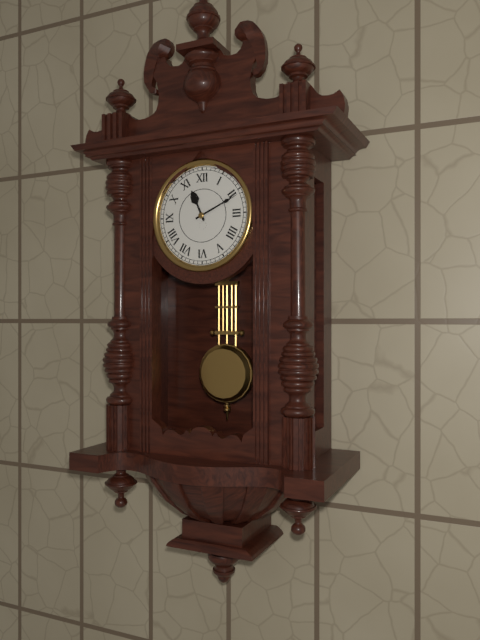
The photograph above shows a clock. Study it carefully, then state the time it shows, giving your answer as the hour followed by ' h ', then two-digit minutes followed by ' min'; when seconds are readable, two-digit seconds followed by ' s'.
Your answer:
11 h 11 min
